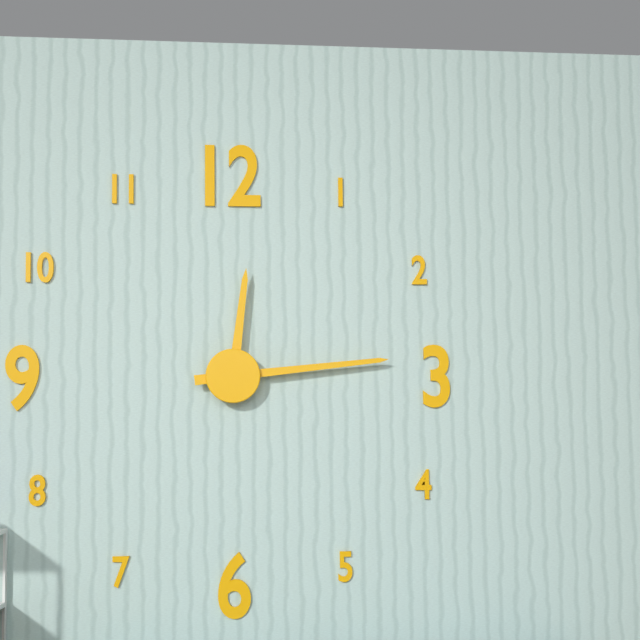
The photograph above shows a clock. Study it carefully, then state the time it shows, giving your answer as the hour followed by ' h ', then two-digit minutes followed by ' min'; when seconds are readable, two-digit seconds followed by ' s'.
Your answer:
12 h 14 min
